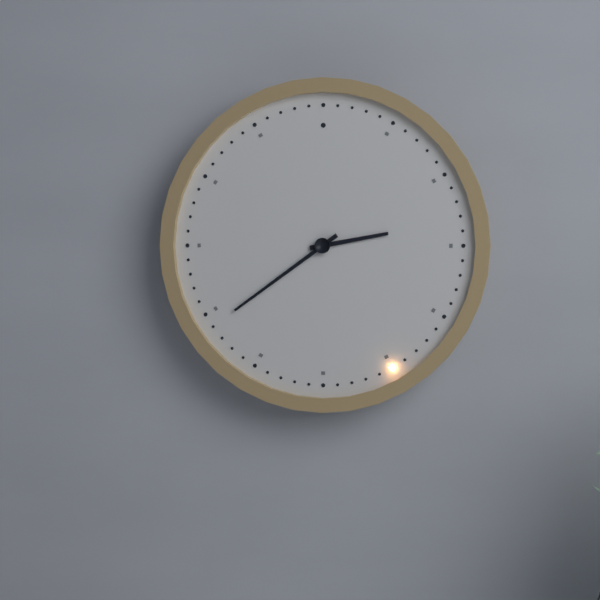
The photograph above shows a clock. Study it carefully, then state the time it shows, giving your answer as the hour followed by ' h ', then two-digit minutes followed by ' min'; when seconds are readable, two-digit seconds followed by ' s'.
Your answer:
2 h 39 min
